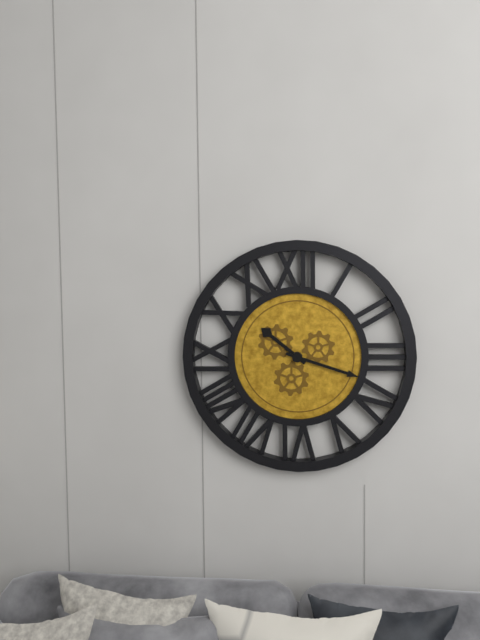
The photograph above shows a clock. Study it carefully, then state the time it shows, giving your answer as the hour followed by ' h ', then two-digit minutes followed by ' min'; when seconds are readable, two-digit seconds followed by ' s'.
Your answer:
10 h 18 min
